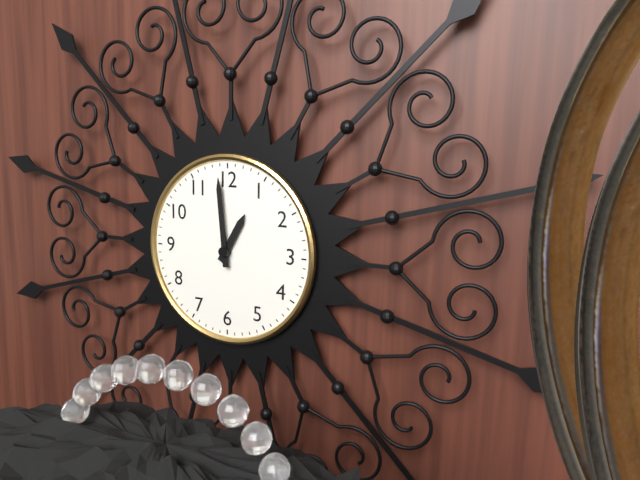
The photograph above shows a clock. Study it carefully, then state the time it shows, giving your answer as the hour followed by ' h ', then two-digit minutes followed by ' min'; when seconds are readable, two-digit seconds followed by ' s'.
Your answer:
12 h 59 min
